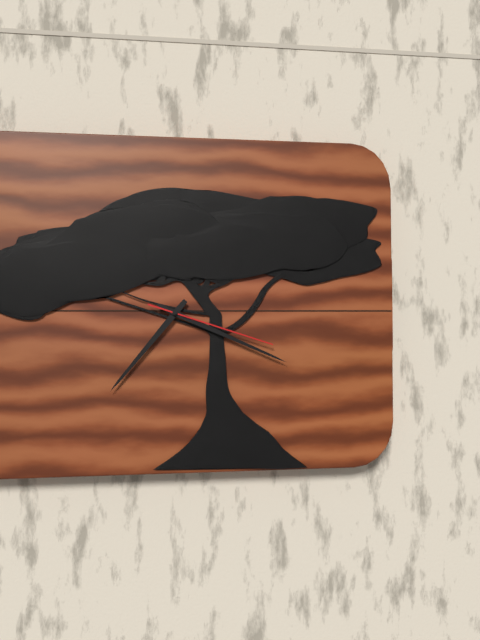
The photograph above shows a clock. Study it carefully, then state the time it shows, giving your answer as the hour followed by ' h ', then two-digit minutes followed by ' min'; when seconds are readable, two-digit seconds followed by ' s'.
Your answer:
7 h 19 min 18 s
